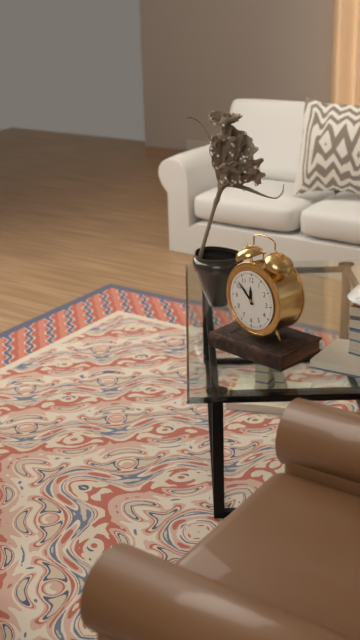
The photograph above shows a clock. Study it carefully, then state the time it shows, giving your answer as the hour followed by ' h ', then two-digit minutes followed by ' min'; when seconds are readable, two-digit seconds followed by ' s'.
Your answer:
11 h 52 min
